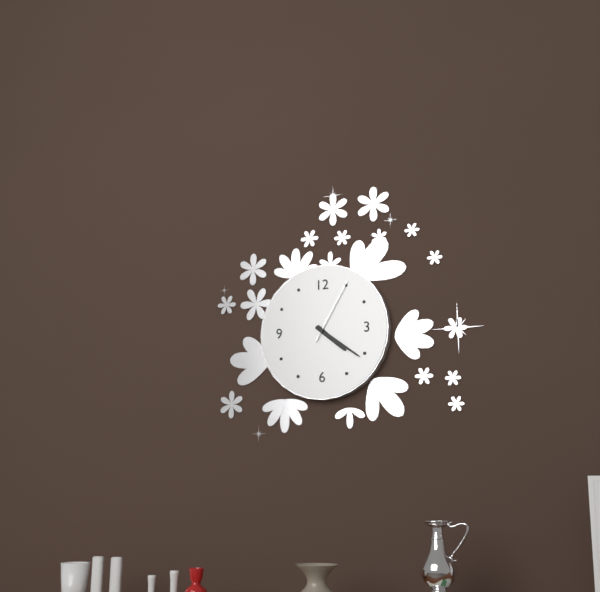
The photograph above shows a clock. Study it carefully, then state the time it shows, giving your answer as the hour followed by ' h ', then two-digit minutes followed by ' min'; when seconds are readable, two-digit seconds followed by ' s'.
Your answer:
4 h 21 min 05 s
